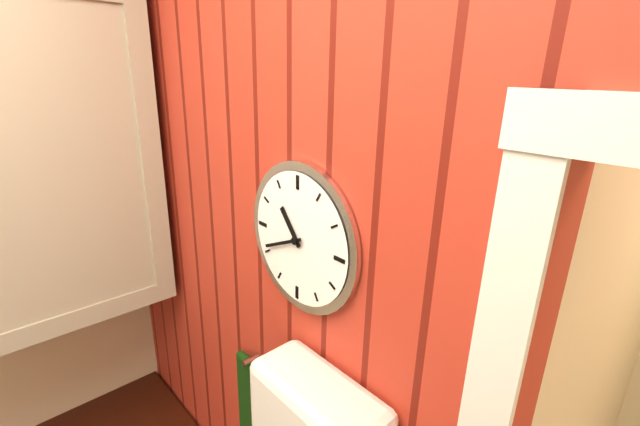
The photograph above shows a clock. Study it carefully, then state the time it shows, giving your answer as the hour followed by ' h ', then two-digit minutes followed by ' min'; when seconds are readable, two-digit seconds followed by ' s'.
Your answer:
10 h 41 min
